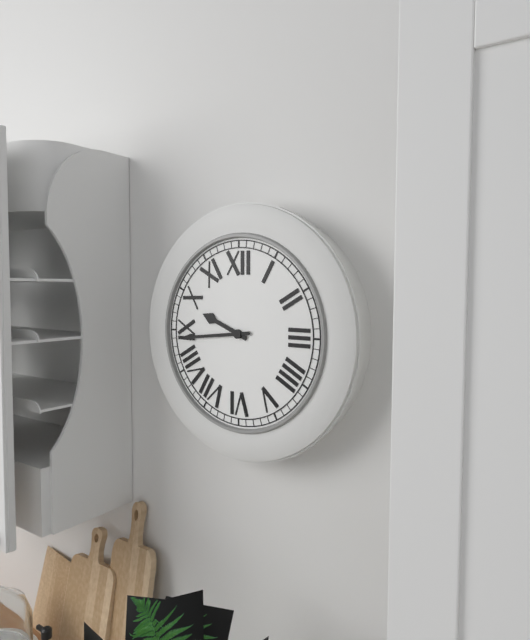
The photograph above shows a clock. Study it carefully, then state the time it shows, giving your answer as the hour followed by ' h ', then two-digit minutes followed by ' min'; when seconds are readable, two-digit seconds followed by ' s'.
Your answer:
9 h 44 min
